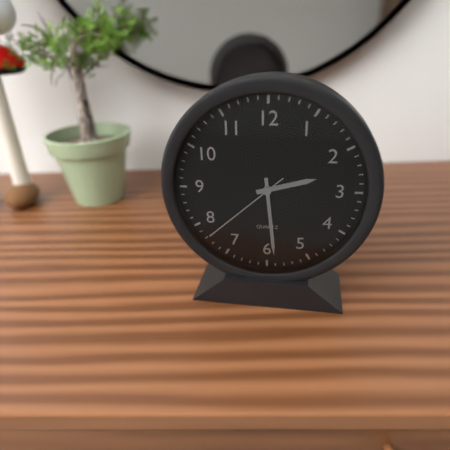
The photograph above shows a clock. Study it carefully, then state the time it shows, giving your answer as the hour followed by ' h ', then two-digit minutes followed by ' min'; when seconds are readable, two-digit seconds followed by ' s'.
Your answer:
2 h 29 min 38 s
